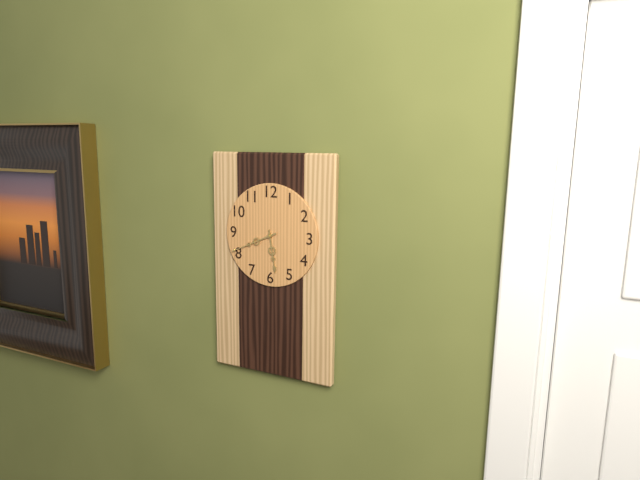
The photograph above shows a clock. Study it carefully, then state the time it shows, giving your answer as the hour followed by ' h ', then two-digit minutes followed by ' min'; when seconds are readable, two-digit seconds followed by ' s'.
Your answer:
5 h 41 min
